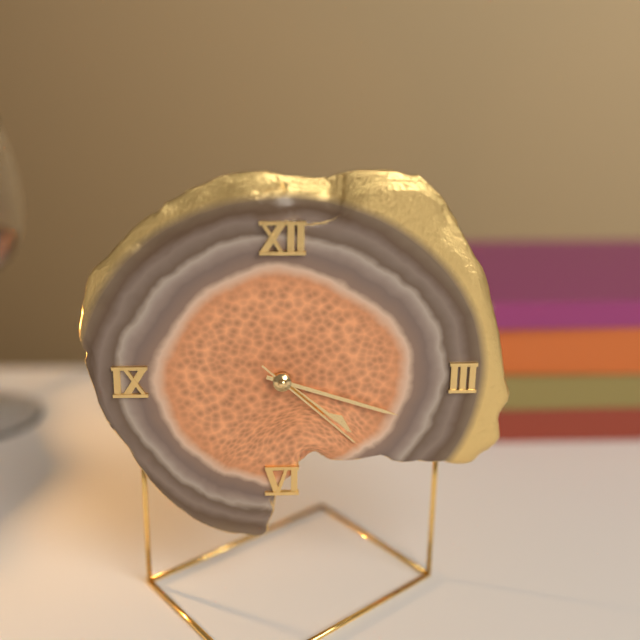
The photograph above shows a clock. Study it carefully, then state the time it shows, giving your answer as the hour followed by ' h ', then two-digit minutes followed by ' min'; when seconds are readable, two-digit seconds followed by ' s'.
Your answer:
4 h 18 min 22 s
